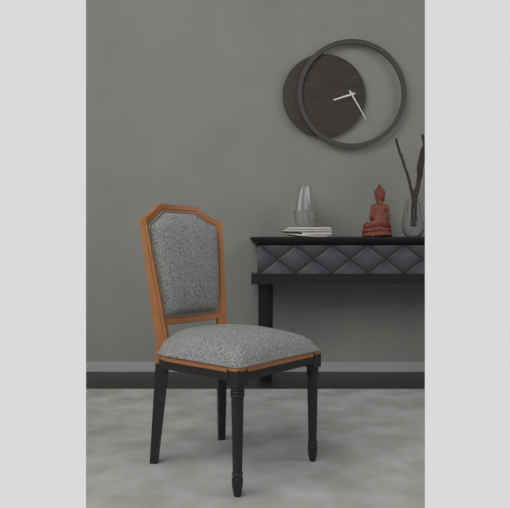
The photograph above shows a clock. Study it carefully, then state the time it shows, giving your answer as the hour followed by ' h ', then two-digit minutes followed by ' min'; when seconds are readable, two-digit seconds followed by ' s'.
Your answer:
8 h 25 min
